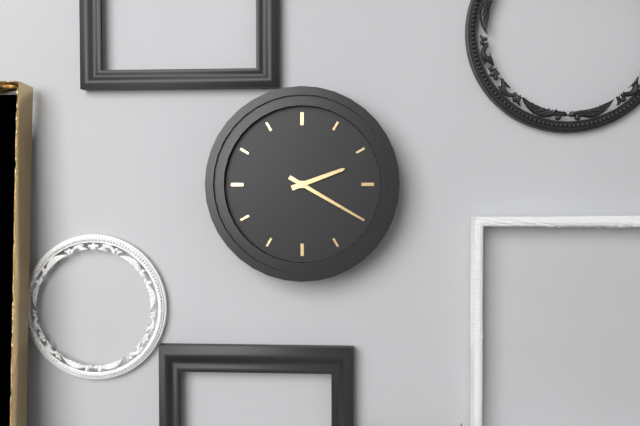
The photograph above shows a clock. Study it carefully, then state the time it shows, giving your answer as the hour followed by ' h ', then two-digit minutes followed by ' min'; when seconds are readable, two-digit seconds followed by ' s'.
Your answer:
2 h 20 min
